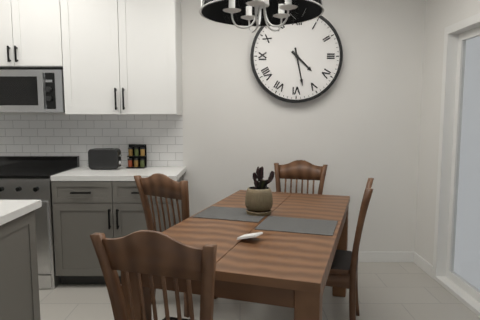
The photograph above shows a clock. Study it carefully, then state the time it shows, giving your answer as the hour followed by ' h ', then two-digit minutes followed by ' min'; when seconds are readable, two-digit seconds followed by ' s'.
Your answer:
4 h 28 min
